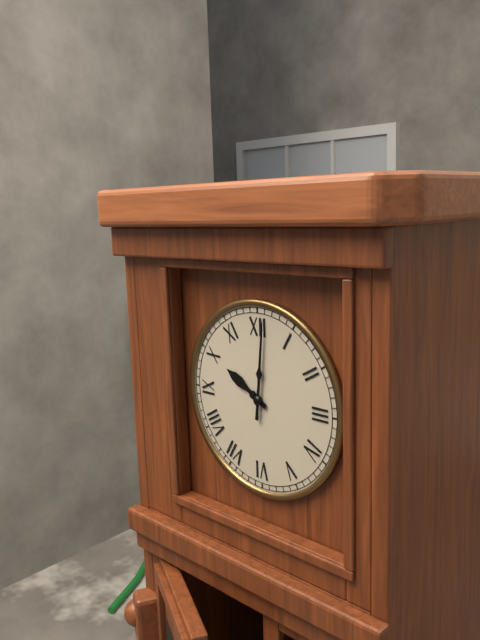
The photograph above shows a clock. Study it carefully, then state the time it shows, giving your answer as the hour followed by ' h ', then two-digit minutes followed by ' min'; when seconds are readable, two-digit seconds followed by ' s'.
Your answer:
10 h 01 min
